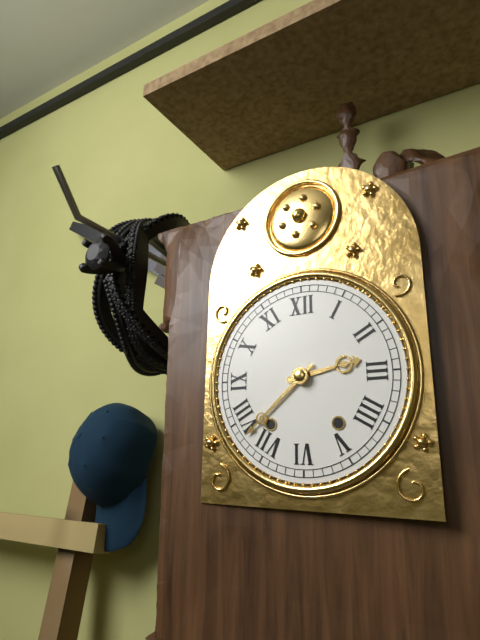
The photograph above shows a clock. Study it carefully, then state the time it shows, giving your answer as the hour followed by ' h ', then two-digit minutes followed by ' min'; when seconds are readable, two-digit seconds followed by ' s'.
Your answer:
2 h 38 min
